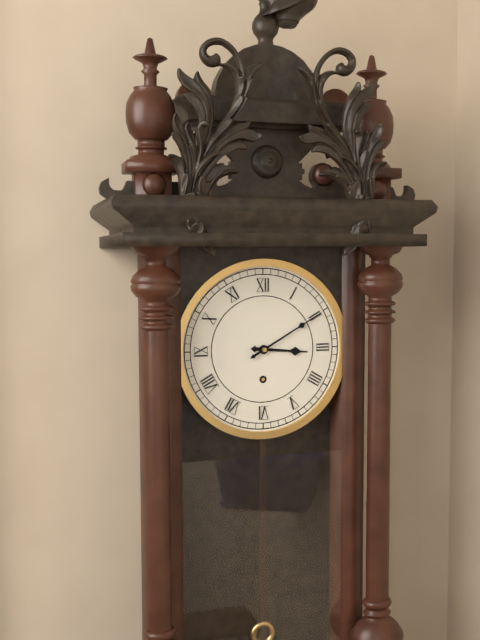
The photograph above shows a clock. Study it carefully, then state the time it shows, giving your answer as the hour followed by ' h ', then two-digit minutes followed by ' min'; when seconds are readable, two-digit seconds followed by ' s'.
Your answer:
3 h 10 min
